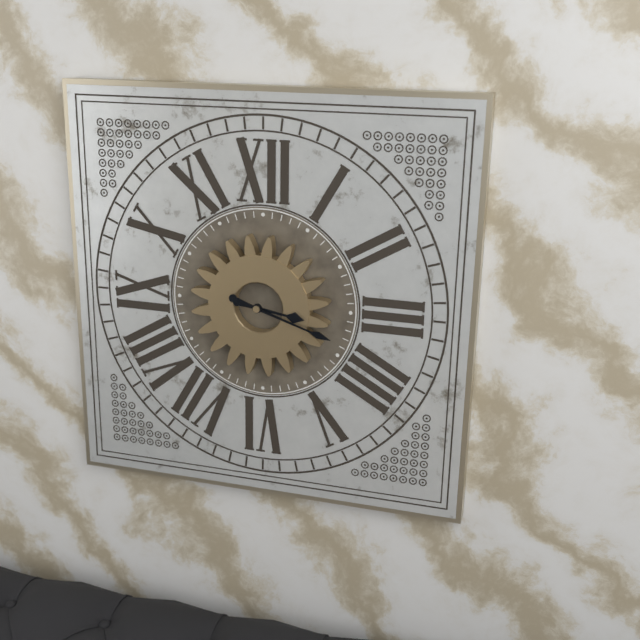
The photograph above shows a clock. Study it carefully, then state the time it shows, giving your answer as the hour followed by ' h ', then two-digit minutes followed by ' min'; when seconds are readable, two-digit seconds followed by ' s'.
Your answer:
3 h 18 min
